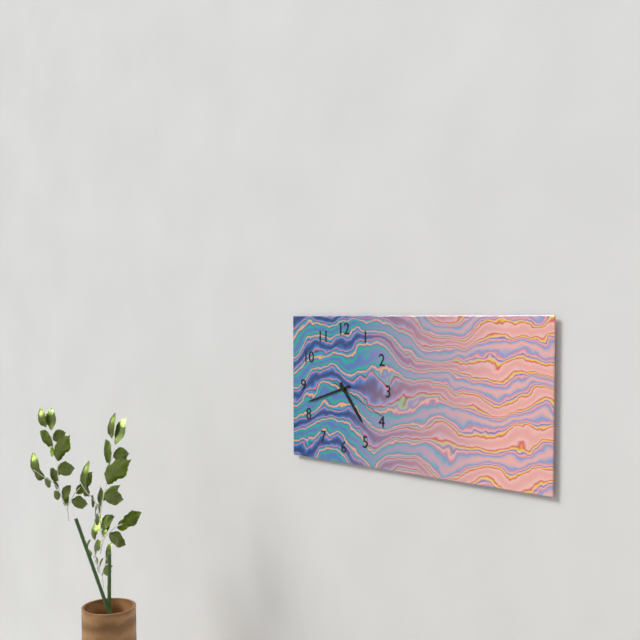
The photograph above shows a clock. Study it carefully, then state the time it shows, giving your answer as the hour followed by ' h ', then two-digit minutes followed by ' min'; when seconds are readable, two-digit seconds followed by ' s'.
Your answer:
4 h 42 min 19 s
